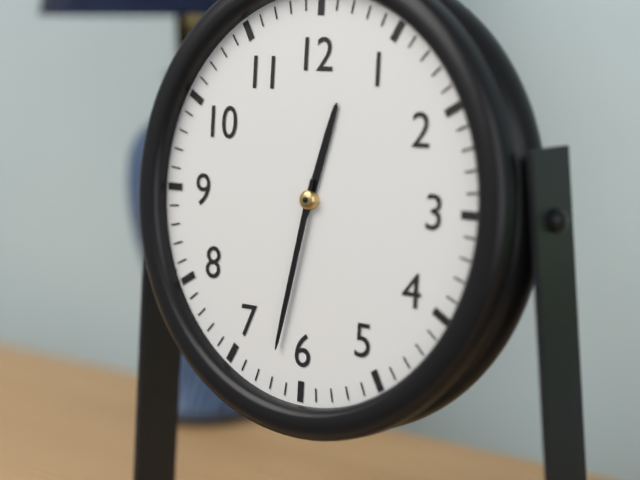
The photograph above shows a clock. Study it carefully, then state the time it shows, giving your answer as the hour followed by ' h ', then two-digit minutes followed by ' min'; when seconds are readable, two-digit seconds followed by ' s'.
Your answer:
12 h 32 min
